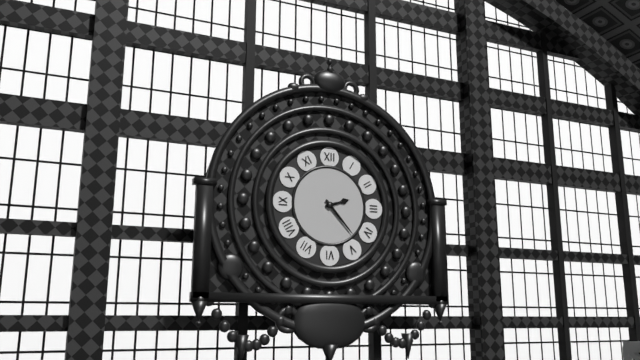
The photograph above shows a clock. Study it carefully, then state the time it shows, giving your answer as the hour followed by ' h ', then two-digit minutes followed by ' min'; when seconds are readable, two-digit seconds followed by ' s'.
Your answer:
2 h 23 min
